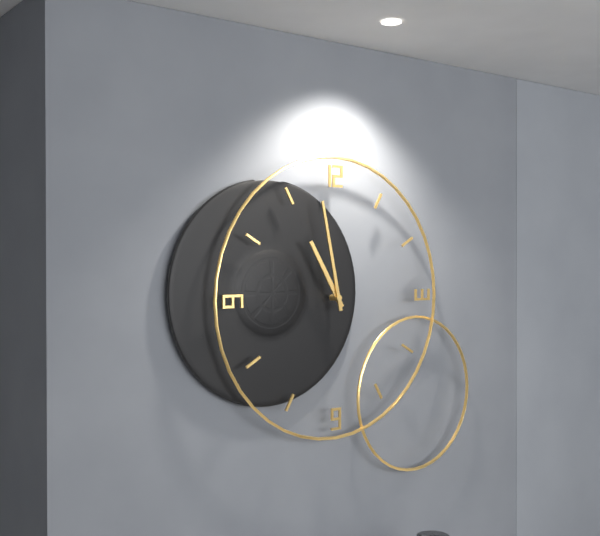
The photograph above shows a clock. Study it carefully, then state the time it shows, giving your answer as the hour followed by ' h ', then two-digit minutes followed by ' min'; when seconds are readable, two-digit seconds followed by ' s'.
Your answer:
10 h 58 min
